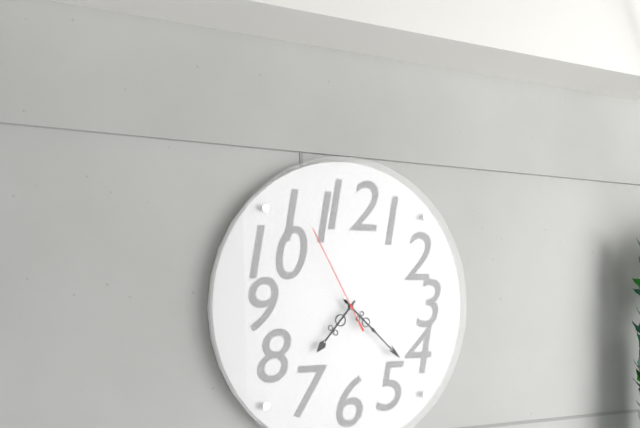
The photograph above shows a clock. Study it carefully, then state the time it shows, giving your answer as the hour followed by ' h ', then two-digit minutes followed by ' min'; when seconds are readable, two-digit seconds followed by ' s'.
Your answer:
7 h 22 min 55 s
